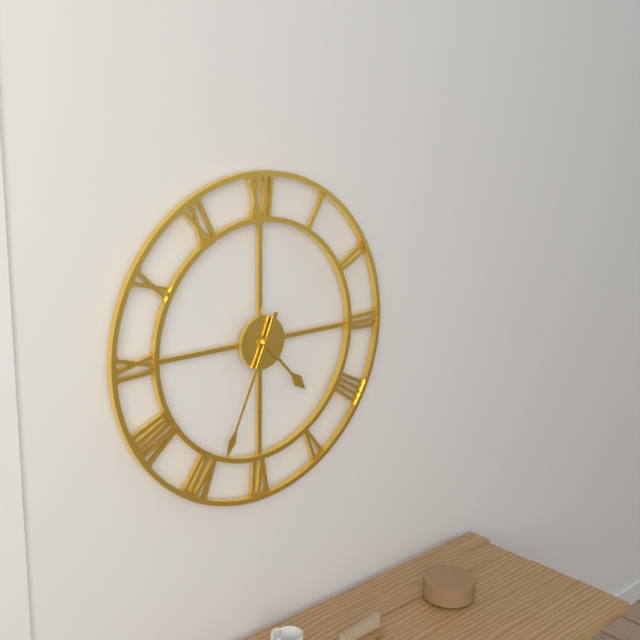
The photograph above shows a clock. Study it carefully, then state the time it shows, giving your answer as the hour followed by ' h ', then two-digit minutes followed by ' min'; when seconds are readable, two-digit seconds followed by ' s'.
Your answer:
4 h 34 min
